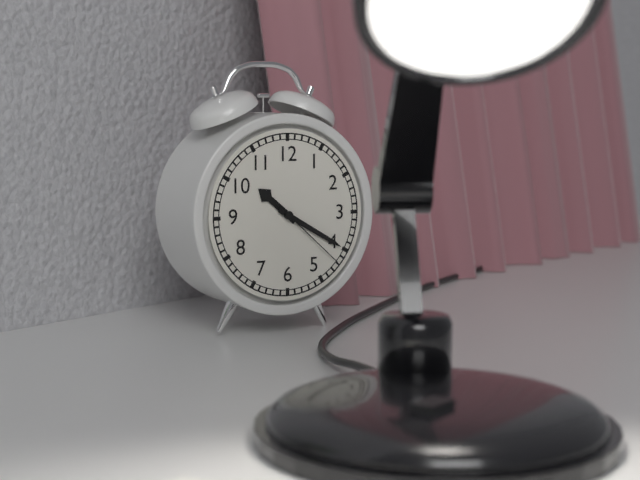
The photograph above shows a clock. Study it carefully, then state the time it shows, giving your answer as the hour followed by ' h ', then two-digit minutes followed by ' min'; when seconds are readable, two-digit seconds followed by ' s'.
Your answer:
10 h 20 min 22 s
